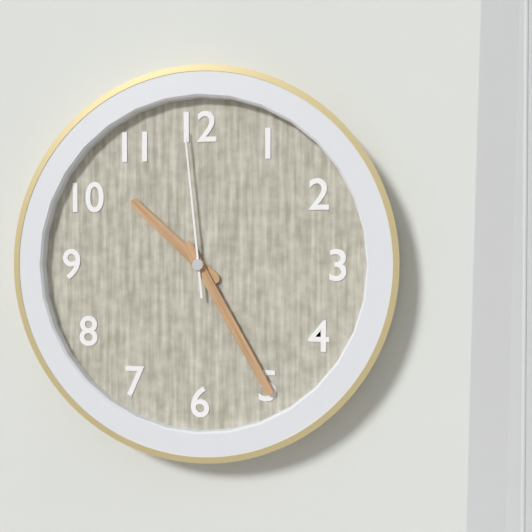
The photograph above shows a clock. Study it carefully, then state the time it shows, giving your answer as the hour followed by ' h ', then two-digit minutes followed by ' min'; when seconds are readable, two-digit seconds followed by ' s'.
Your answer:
10 h 25 min 59 s
